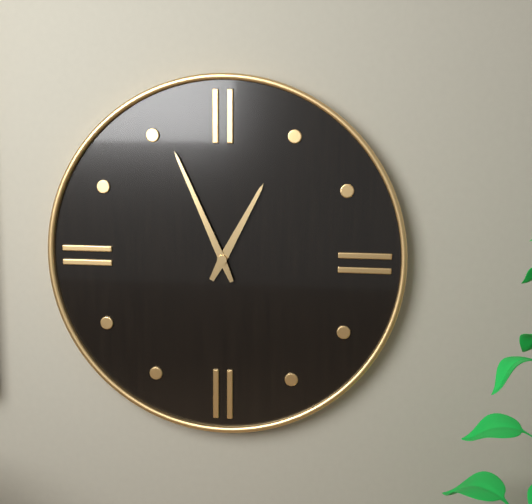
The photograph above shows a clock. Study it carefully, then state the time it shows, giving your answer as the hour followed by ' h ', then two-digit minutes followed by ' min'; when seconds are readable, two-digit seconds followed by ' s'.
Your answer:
12 h 56 min
